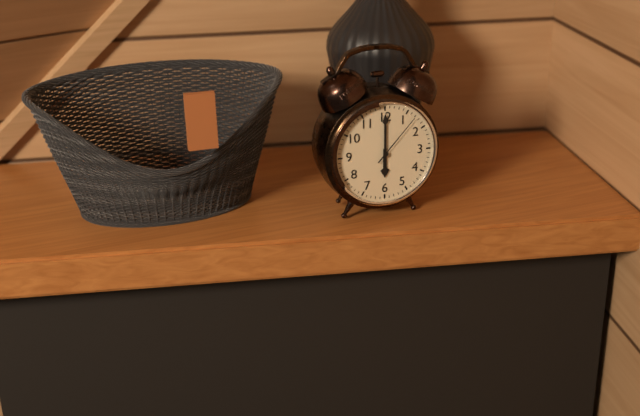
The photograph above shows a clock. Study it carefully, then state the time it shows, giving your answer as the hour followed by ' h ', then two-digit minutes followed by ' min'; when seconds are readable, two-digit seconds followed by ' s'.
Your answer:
6 h 00 min 07 s
